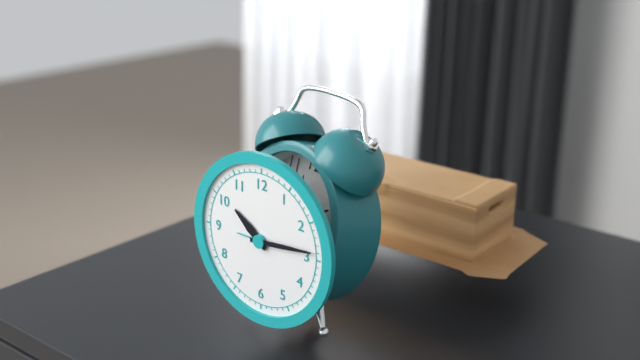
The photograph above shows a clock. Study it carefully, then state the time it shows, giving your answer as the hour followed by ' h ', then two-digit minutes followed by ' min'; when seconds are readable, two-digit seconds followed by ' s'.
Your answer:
10 h 14 min
